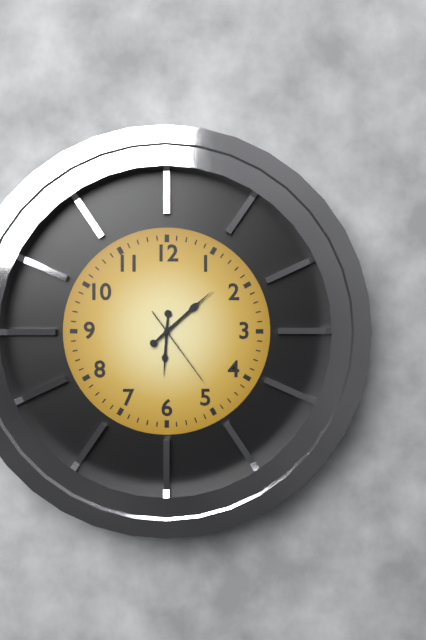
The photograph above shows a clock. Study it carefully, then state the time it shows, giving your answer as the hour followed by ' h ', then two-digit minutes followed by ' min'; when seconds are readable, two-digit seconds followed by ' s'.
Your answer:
6 h 08 min 24 s
